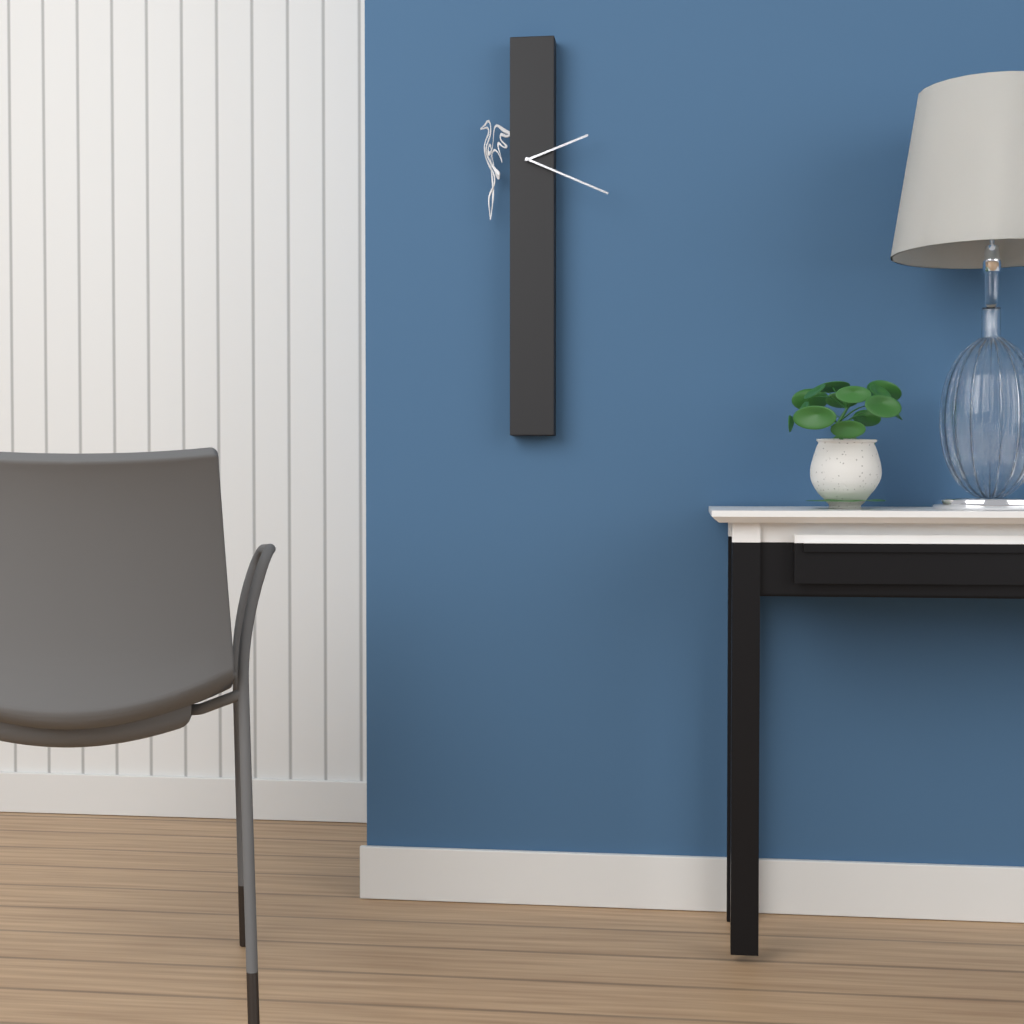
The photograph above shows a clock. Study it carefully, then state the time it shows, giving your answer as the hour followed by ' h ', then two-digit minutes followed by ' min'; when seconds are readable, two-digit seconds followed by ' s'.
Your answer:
2 h 19 min
